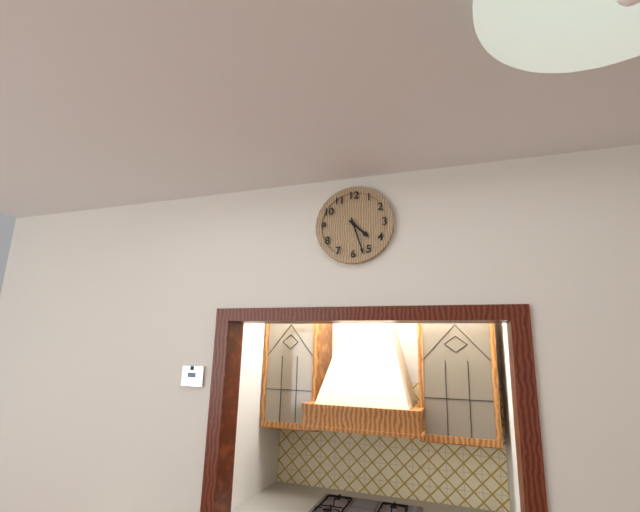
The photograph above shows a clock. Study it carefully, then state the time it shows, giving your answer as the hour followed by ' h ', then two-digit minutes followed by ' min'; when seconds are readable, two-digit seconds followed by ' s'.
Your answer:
4 h 27 min
